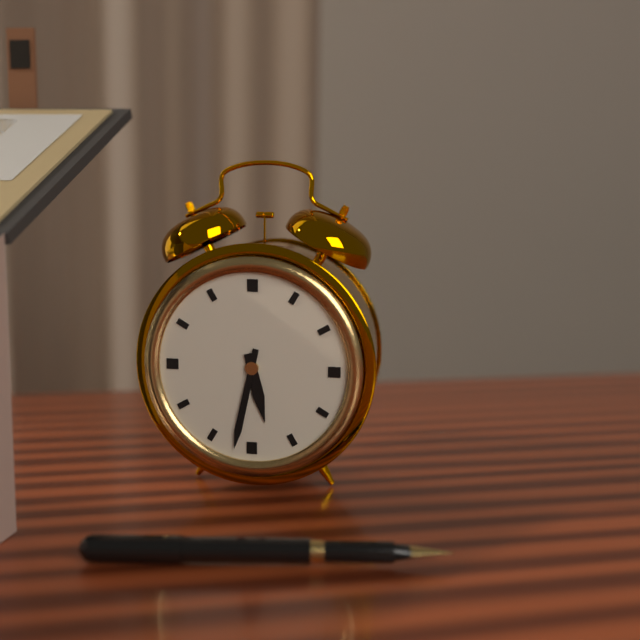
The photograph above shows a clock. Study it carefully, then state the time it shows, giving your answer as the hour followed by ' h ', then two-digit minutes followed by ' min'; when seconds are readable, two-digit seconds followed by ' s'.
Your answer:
5 h 32 min
